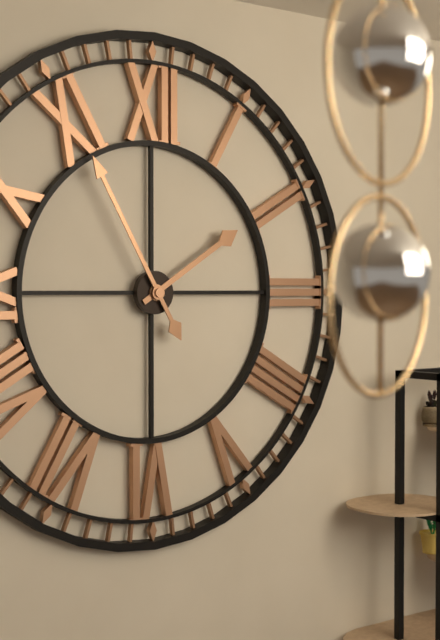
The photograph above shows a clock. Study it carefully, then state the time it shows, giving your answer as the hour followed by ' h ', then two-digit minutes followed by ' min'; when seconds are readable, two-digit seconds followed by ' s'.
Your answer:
1 h 55 min
